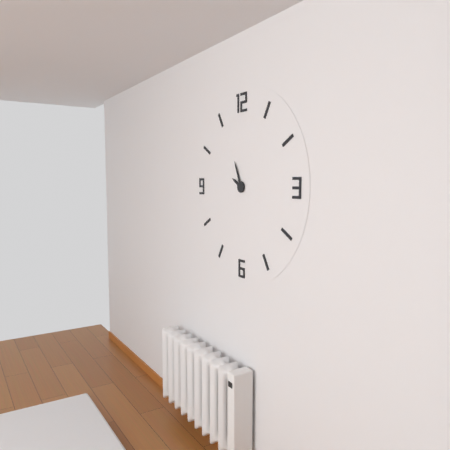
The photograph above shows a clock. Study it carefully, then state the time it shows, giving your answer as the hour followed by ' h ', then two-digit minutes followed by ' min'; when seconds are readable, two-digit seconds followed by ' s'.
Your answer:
9 h 56 min
